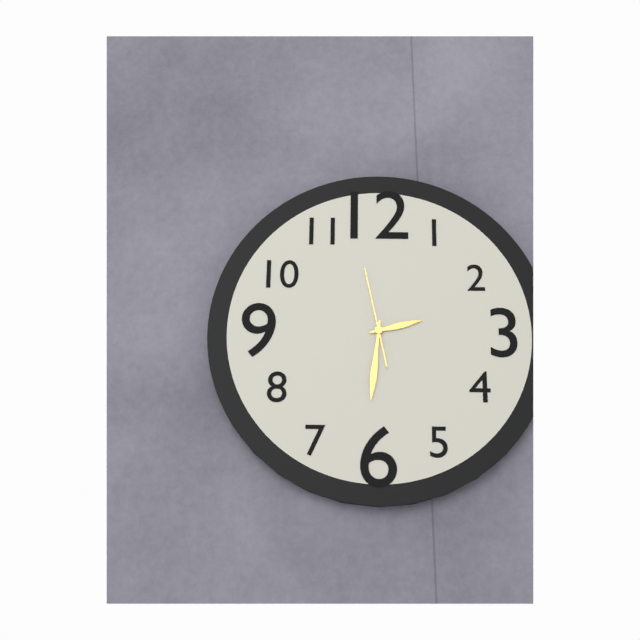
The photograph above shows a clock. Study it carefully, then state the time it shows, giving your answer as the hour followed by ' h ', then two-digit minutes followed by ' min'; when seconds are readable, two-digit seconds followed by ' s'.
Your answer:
2 h 31 min 58 s
